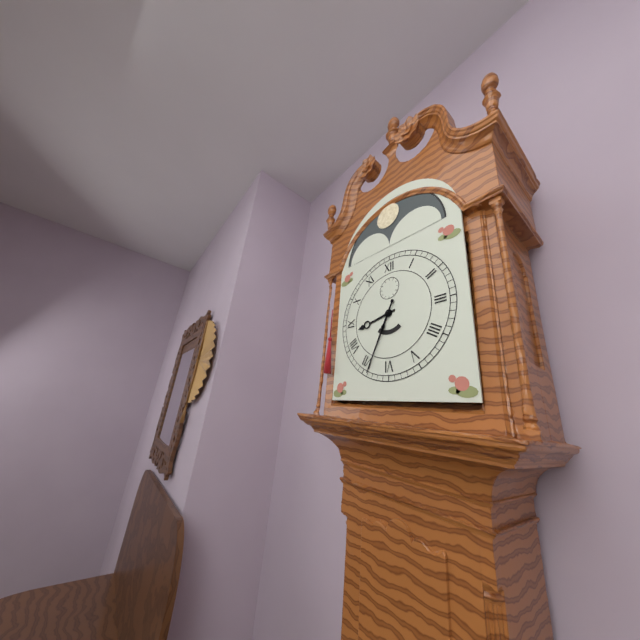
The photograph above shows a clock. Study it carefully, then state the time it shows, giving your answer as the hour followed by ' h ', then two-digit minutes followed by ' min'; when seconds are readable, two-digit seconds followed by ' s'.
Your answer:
8 h 34 min
